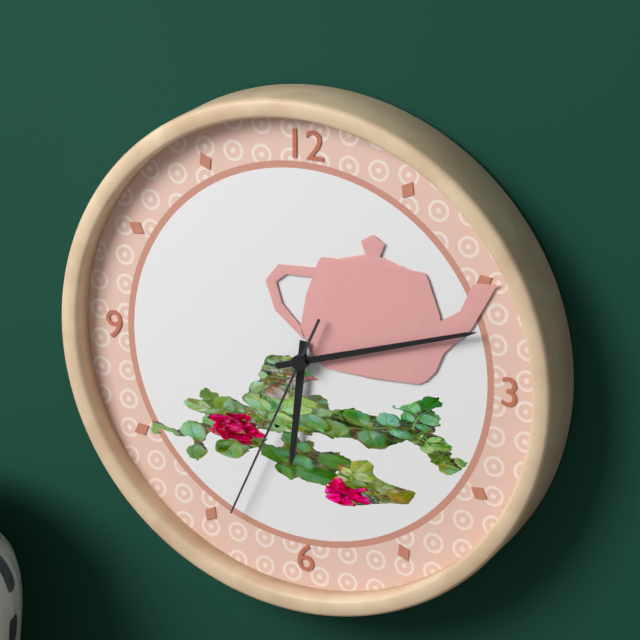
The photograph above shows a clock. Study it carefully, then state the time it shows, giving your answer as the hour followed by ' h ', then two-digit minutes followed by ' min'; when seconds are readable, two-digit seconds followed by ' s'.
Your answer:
6 h 12 min 34 s
